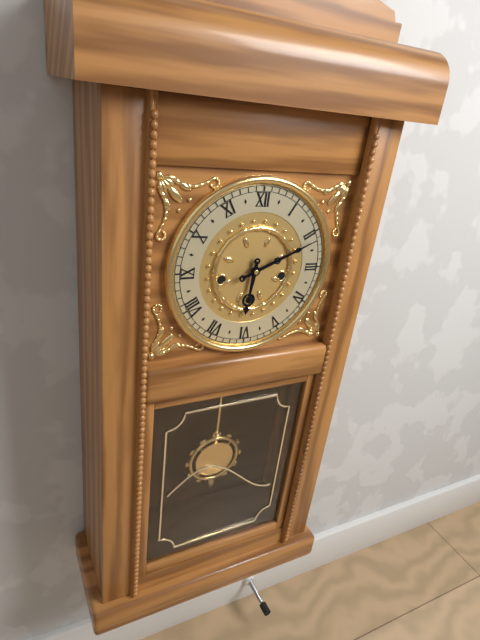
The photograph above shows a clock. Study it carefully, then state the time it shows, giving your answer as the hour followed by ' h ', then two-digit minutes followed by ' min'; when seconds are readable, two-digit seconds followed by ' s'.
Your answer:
6 h 11 min
